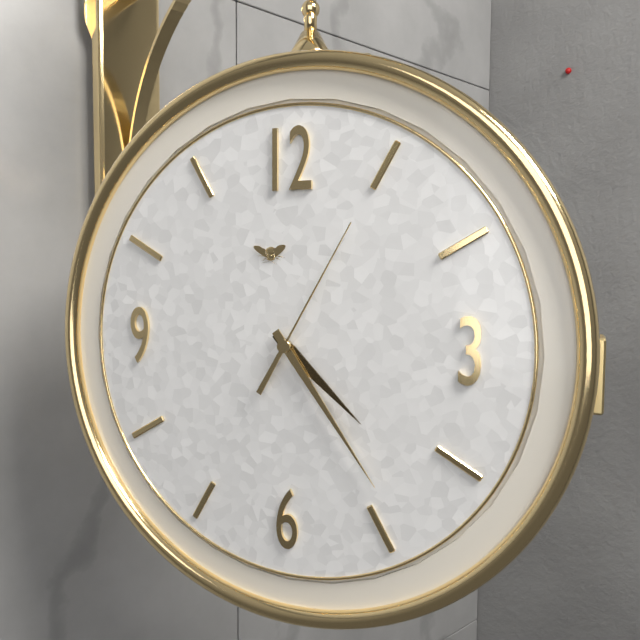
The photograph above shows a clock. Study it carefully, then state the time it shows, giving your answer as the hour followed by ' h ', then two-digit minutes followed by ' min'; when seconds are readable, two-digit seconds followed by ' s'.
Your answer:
4 h 24 min 05 s
